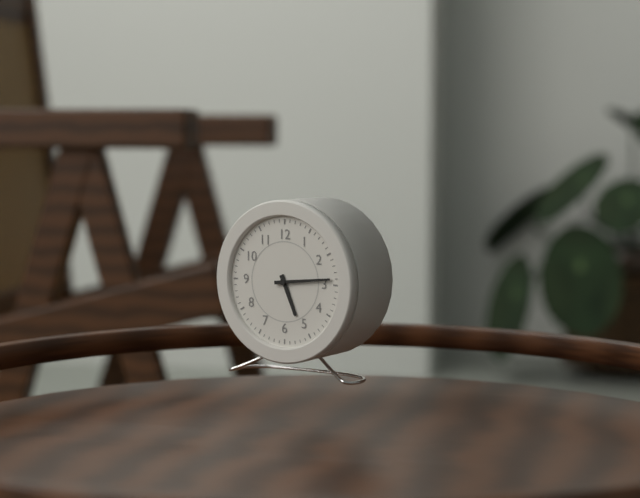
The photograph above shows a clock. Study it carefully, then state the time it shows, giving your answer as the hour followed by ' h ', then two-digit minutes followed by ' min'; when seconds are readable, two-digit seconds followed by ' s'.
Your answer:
5 h 14 min
